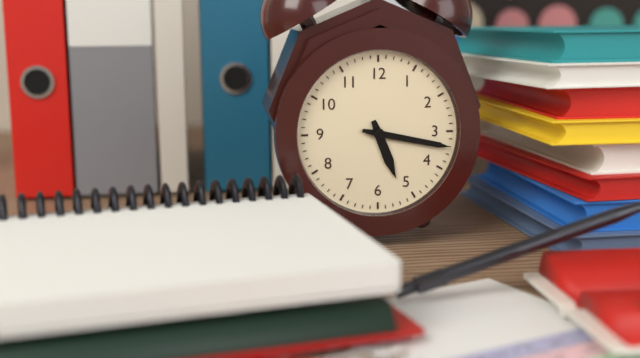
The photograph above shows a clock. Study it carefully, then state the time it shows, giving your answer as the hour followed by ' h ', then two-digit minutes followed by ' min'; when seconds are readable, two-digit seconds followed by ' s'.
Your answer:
5 h 17 min
